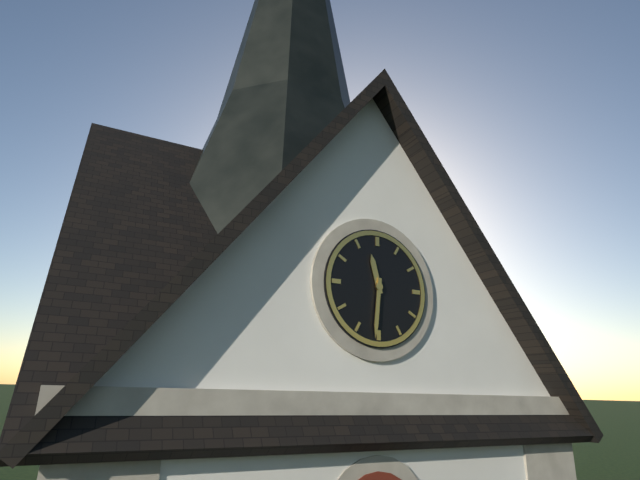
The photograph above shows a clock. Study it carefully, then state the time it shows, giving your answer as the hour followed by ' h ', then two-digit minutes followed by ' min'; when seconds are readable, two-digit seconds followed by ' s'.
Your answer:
11 h 31 min
